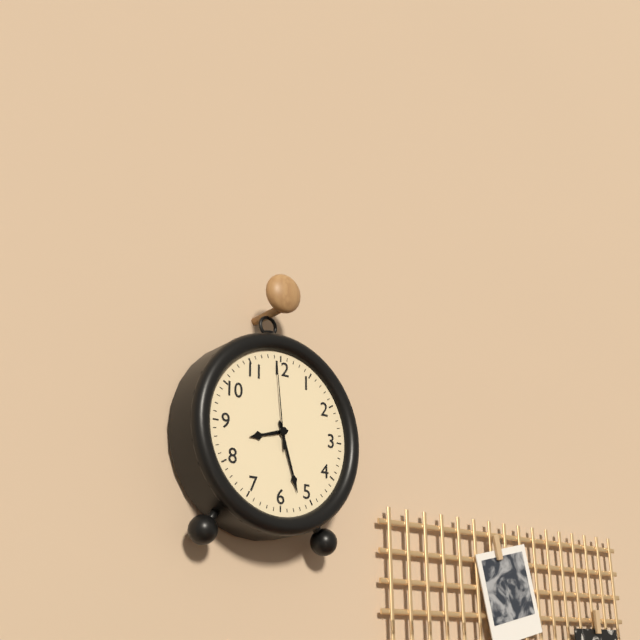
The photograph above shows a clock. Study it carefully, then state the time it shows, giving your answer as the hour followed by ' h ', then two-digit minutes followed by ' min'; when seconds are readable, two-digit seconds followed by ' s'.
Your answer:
8 h 27 min 59 s
